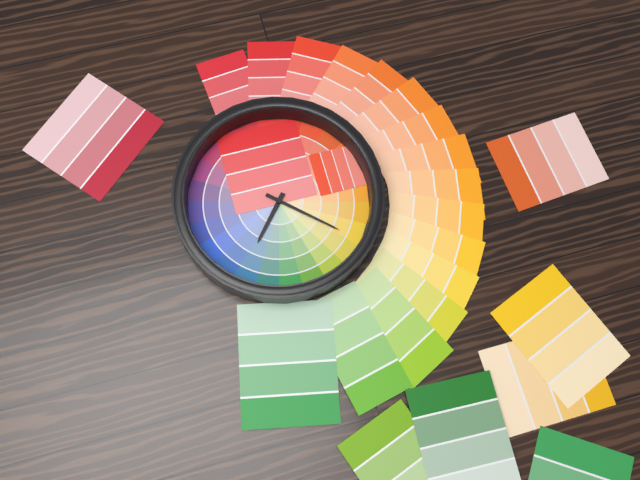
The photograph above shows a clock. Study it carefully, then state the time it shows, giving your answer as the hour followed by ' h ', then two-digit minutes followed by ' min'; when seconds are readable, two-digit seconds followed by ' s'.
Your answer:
7 h 22 min
